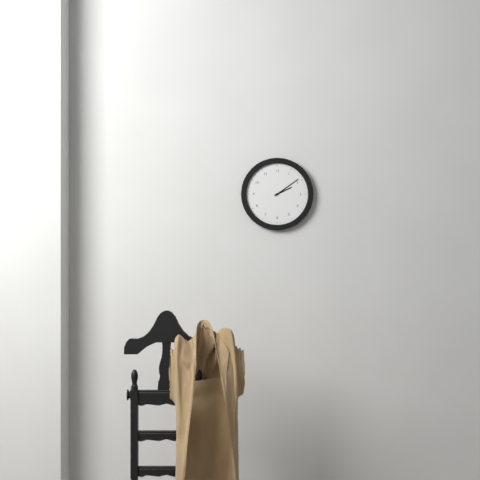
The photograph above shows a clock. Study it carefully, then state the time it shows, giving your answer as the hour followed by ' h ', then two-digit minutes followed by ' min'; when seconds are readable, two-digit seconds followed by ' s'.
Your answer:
2 h 09 min
